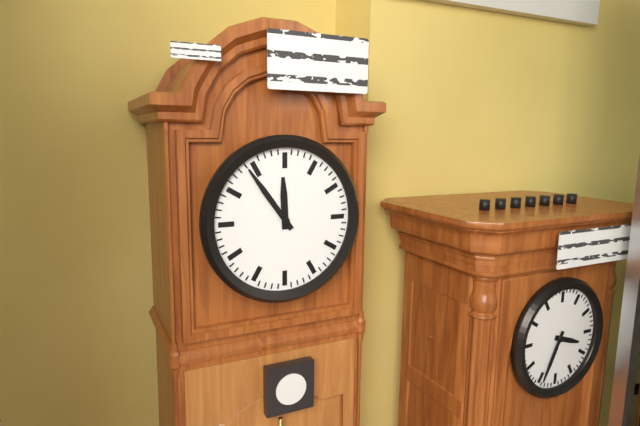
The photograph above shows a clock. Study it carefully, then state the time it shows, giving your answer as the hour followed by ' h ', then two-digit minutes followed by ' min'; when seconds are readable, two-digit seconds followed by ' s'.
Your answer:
11 h 54 min
